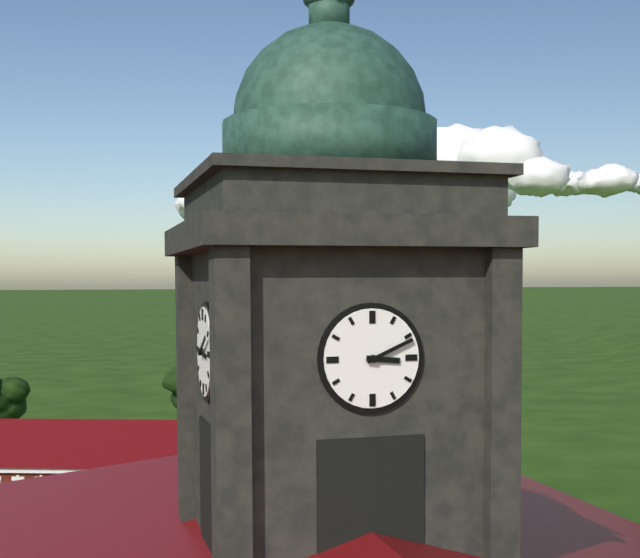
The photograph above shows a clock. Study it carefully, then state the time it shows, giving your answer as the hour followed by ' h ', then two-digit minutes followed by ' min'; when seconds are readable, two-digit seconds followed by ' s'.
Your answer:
3 h 11 min
